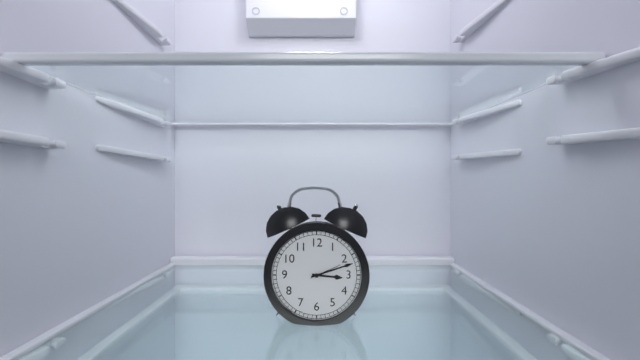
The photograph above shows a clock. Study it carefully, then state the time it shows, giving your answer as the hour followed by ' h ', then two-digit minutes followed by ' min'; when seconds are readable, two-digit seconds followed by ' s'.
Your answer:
3 h 12 min
